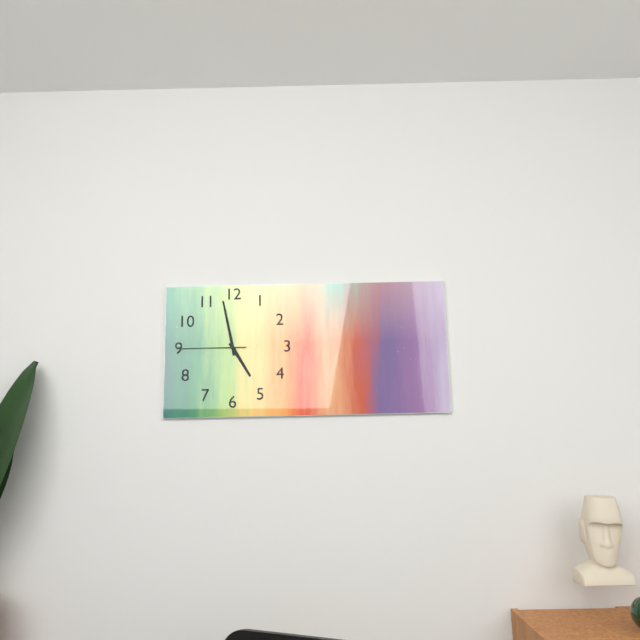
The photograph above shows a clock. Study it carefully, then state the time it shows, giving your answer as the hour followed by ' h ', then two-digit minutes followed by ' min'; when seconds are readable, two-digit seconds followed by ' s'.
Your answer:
4 h 58 min 45 s
